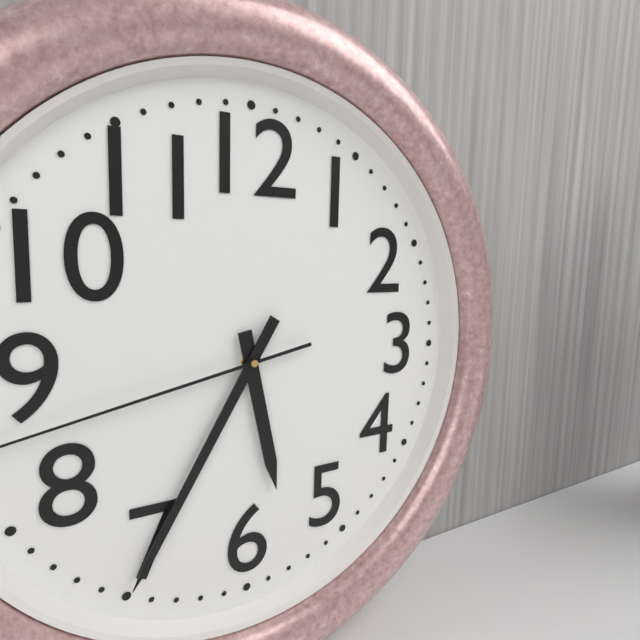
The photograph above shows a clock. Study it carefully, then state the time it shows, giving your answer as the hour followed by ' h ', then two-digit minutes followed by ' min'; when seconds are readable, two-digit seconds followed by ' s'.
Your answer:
5 h 35 min
